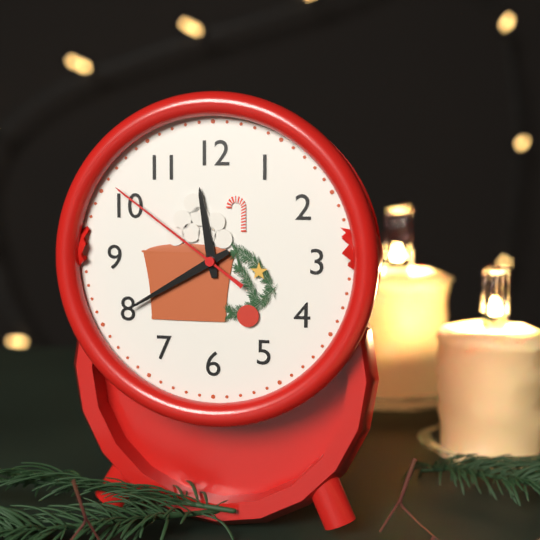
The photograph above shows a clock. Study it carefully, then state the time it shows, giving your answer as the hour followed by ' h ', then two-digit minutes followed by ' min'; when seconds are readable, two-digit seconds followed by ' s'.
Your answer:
11 h 40 min 51 s
